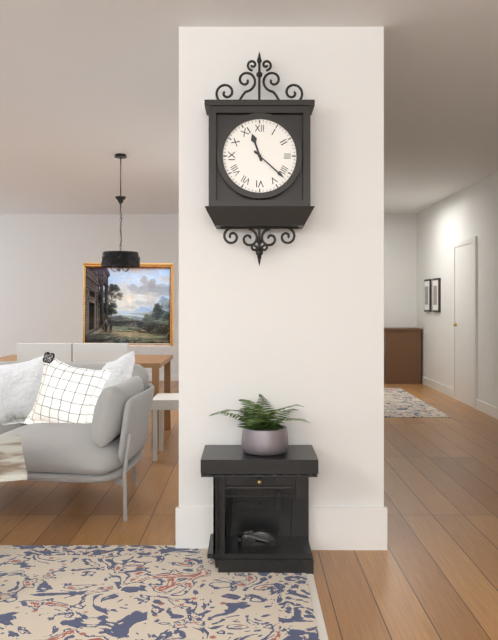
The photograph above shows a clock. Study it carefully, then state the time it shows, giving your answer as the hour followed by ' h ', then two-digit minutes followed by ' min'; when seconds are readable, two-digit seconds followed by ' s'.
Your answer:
11 h 22 min
